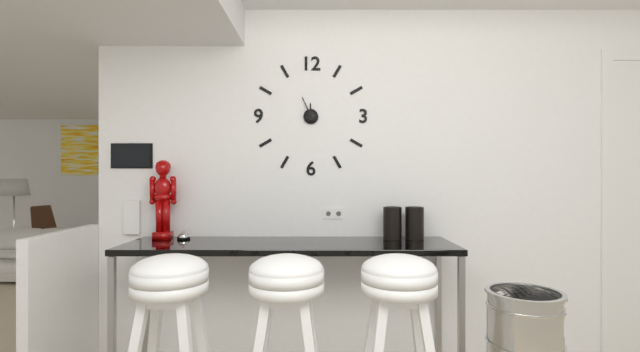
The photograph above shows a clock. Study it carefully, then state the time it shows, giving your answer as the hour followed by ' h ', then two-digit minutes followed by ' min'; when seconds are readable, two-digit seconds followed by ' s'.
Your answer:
11 h 56 min
